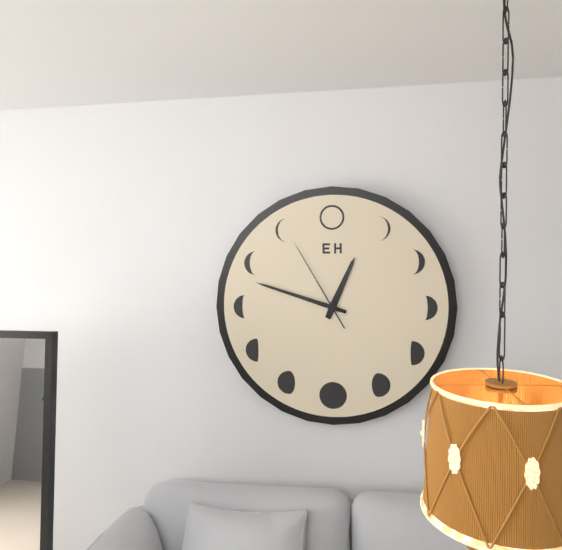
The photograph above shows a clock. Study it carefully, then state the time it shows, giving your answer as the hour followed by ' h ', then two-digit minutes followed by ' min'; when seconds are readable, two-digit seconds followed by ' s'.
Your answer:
12 h 48 min 55 s
